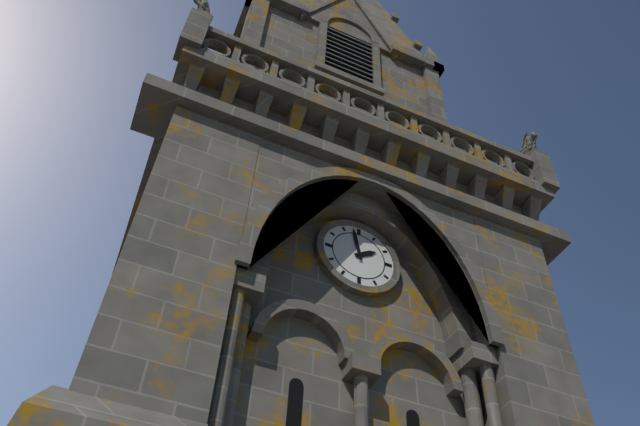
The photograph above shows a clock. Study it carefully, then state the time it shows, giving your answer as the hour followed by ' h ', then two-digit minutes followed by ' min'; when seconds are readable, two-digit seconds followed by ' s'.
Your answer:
1 h 58 min
